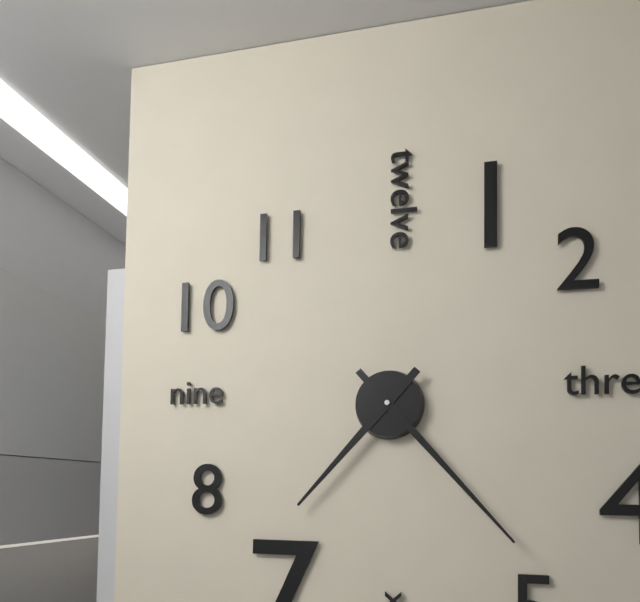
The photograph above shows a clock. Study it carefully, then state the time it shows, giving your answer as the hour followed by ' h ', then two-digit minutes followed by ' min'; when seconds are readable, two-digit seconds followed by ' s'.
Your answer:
7 h 23 min
